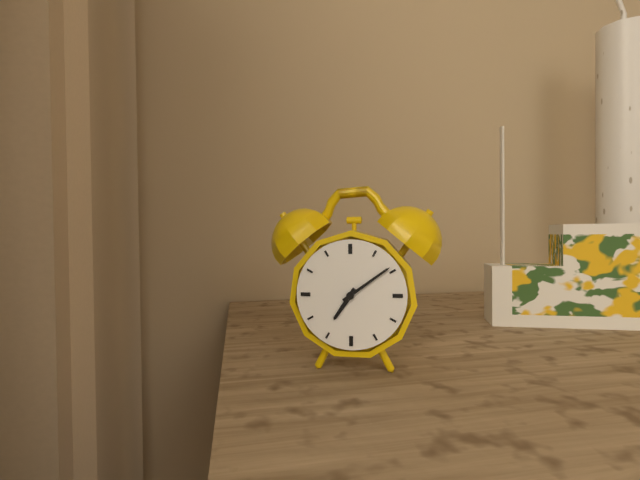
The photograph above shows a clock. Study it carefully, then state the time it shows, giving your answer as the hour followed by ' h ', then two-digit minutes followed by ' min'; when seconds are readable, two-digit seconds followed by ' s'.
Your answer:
7 h 09 min
